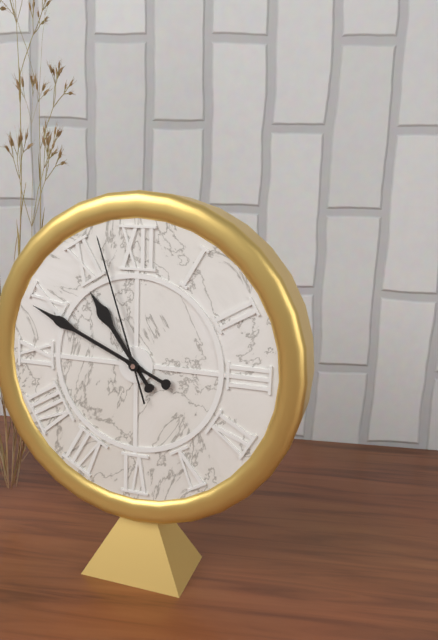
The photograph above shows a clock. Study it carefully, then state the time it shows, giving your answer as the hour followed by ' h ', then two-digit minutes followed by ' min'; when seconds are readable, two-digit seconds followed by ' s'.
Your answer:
10 h 49 min 57 s
